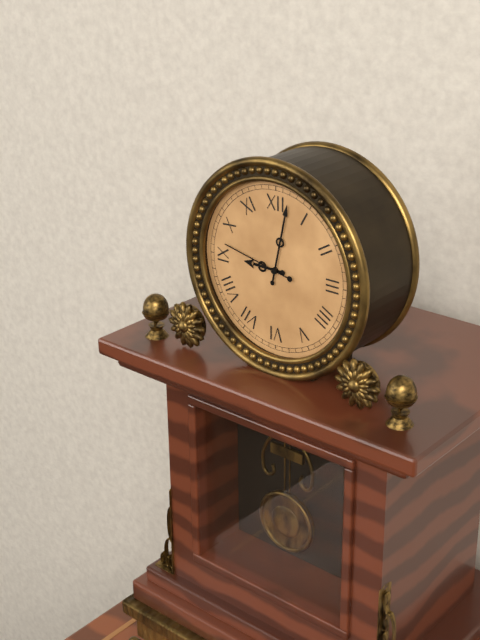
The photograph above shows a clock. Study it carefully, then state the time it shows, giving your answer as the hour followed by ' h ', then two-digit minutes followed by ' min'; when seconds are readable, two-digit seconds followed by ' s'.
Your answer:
9 h 02 min 47 s
